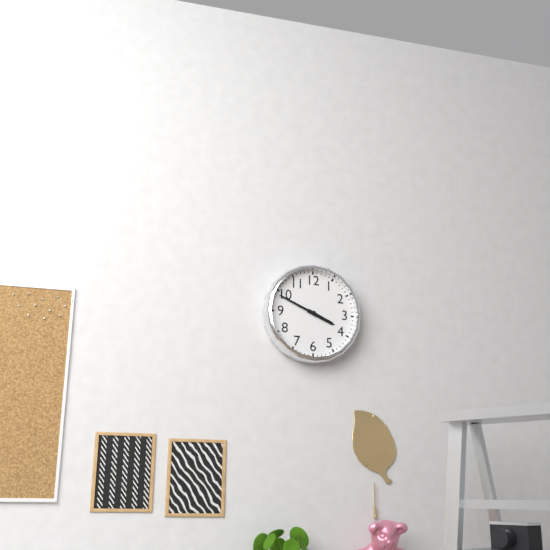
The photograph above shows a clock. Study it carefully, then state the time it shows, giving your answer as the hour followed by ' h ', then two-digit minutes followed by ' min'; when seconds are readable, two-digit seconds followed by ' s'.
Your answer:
3 h 49 min
